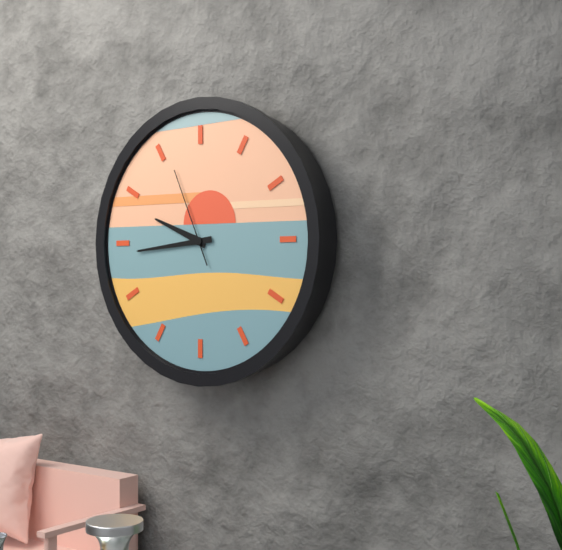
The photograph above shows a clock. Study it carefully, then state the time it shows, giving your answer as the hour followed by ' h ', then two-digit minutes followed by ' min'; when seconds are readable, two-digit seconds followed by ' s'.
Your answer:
9 h 44 min 56 s
